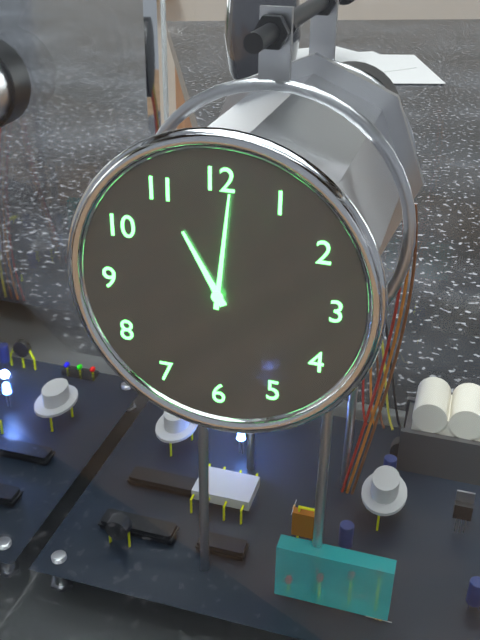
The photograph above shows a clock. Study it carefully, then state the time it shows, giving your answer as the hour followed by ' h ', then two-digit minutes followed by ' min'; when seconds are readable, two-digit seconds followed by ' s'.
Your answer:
11 h 01 min
